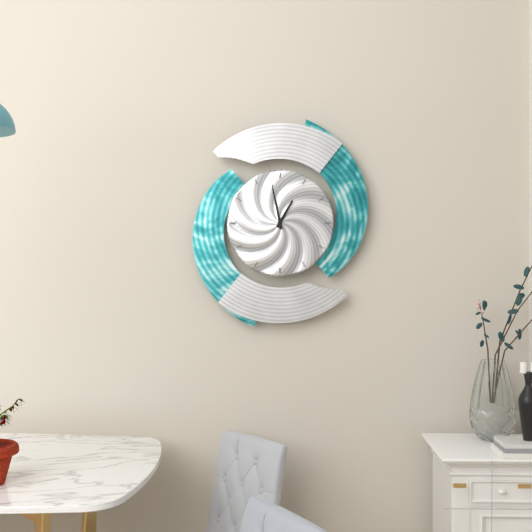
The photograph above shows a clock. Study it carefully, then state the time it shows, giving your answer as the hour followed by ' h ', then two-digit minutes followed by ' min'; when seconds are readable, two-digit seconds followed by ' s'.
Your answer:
12 h 58 min
